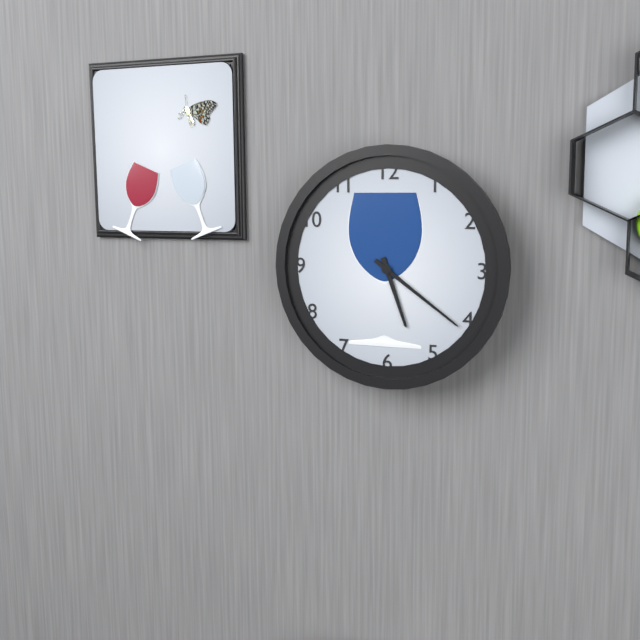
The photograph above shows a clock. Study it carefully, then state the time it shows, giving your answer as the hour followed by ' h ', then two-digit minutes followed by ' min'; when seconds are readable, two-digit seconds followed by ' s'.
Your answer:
5 h 21 min
